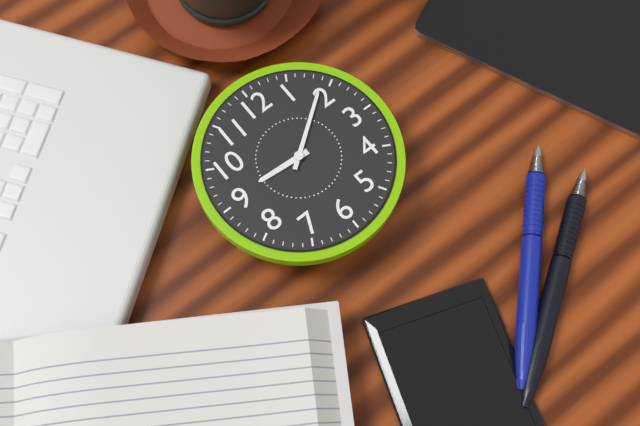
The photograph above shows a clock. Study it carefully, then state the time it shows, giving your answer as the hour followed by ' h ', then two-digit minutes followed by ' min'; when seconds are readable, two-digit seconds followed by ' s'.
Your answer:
9 h 09 min
